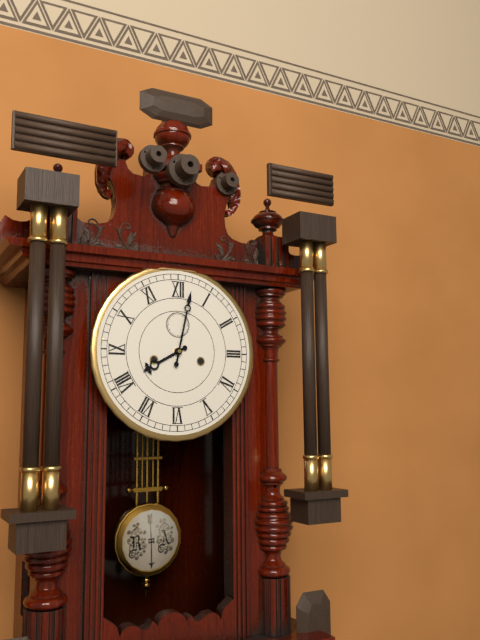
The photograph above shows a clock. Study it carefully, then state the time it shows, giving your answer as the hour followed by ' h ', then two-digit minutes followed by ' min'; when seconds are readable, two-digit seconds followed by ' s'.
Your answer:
8 h 02 min
